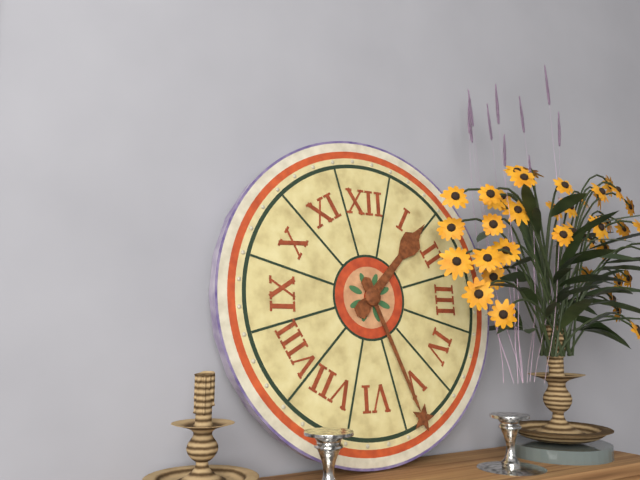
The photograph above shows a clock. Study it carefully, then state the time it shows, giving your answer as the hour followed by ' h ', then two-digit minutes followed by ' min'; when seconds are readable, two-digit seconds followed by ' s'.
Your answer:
1 h 26 min
